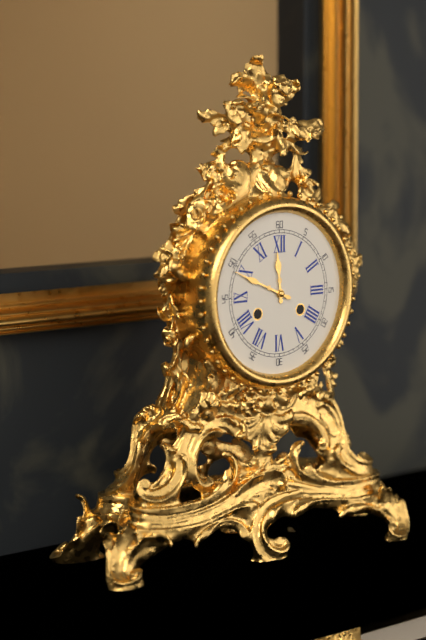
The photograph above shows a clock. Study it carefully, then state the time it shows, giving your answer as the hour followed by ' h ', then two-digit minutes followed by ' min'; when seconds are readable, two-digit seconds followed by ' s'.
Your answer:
11 h 49 min
